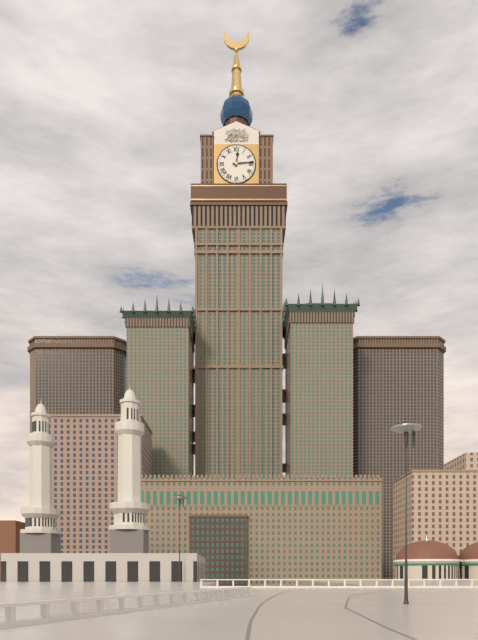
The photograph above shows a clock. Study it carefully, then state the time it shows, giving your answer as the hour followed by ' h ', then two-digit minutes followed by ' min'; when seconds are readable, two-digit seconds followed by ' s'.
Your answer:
12 h 14 min
